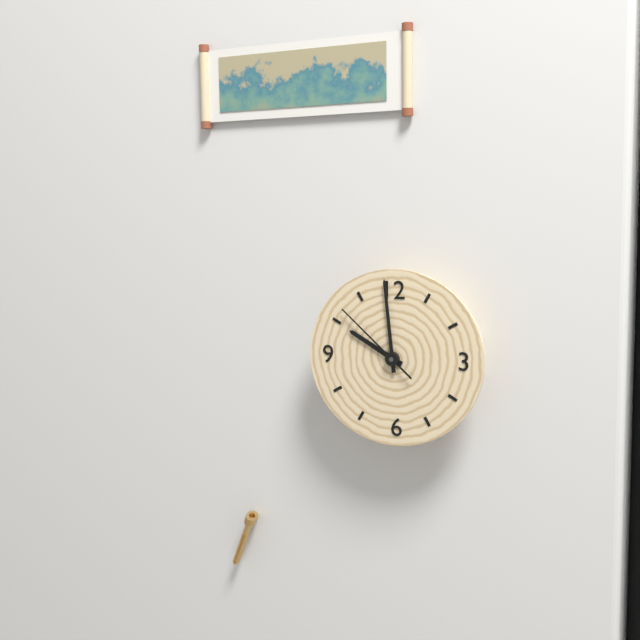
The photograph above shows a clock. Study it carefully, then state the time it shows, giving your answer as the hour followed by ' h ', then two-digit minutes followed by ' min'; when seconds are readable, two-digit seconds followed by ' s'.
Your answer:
9 h 59 min 52 s
